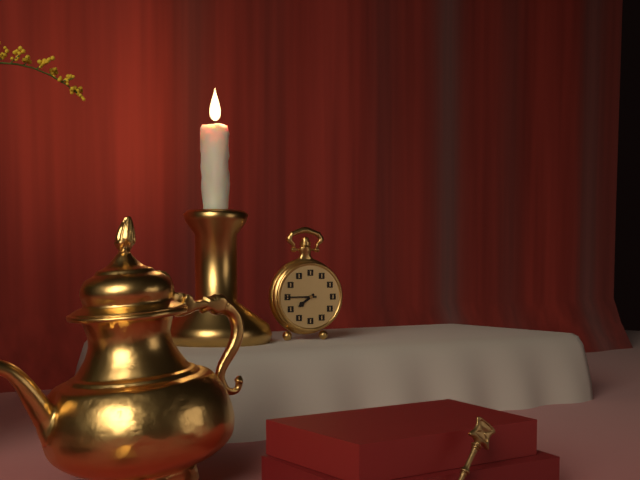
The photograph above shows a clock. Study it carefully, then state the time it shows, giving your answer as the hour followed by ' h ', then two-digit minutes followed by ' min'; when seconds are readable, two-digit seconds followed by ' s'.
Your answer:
7 h 45 min
